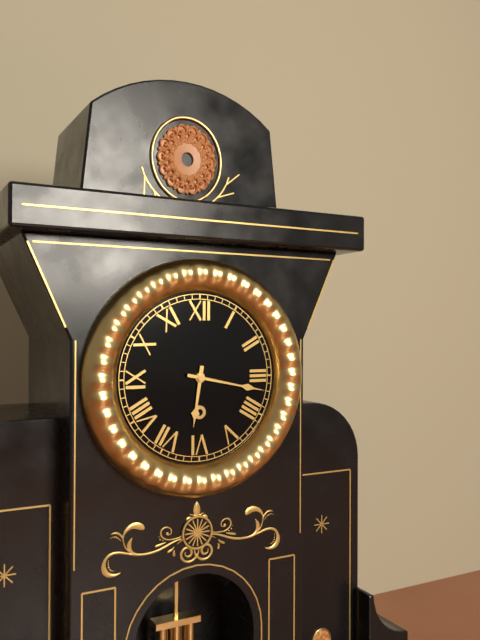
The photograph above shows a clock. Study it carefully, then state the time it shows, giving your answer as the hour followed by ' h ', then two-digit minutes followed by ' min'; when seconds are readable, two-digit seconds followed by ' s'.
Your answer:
6 h 17 min
